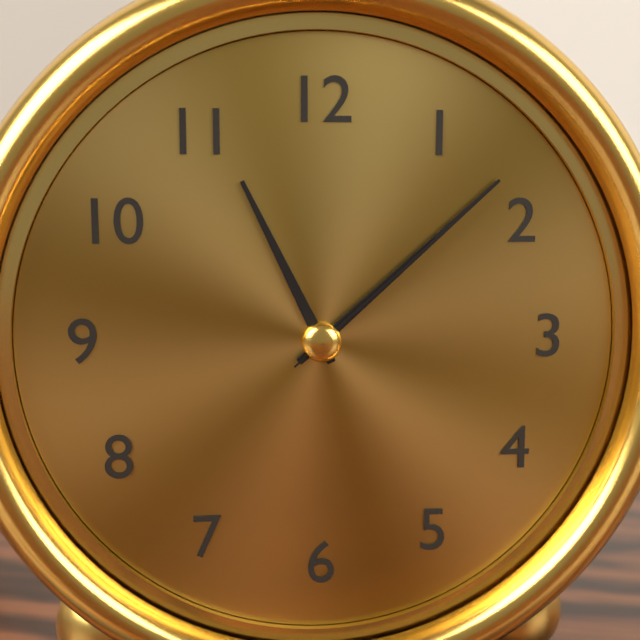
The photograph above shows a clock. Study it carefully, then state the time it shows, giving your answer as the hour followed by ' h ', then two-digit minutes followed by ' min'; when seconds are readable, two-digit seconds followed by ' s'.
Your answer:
11 h 08 min 08 s
